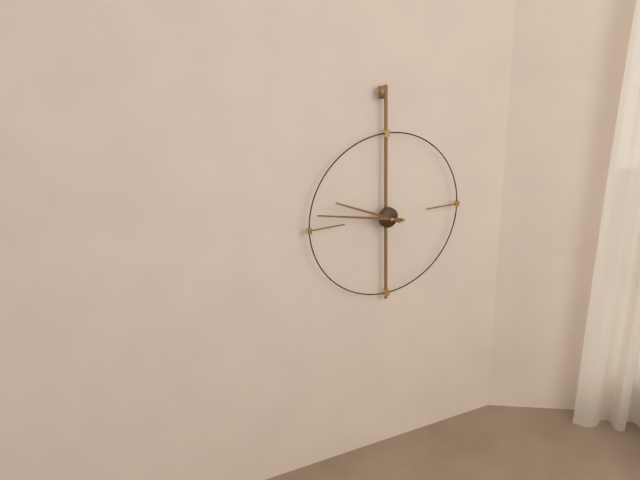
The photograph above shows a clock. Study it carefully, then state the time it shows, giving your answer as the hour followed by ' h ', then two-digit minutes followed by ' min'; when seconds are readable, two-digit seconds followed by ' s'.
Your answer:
9 h 47 min
